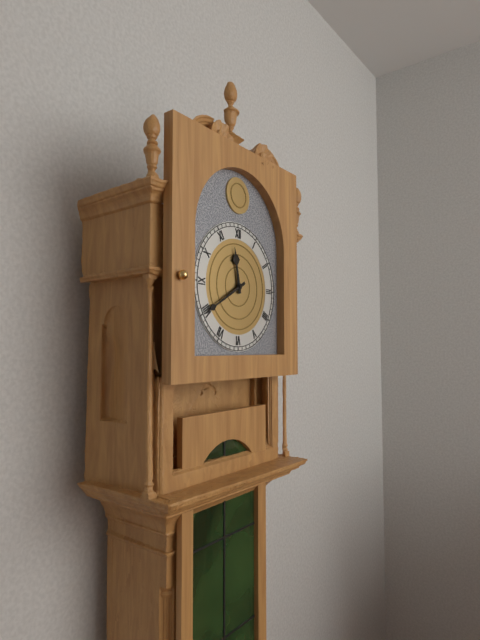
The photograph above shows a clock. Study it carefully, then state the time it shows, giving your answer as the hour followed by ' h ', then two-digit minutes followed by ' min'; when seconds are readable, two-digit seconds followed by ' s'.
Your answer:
11 h 40 min
